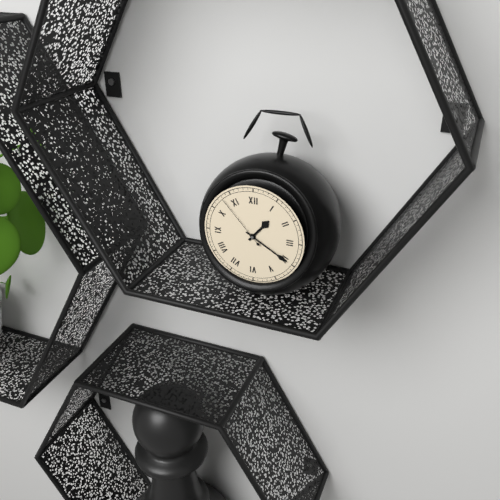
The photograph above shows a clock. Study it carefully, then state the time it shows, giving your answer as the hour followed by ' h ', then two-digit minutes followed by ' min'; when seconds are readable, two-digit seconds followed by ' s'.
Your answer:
1 h 20 min 53 s
